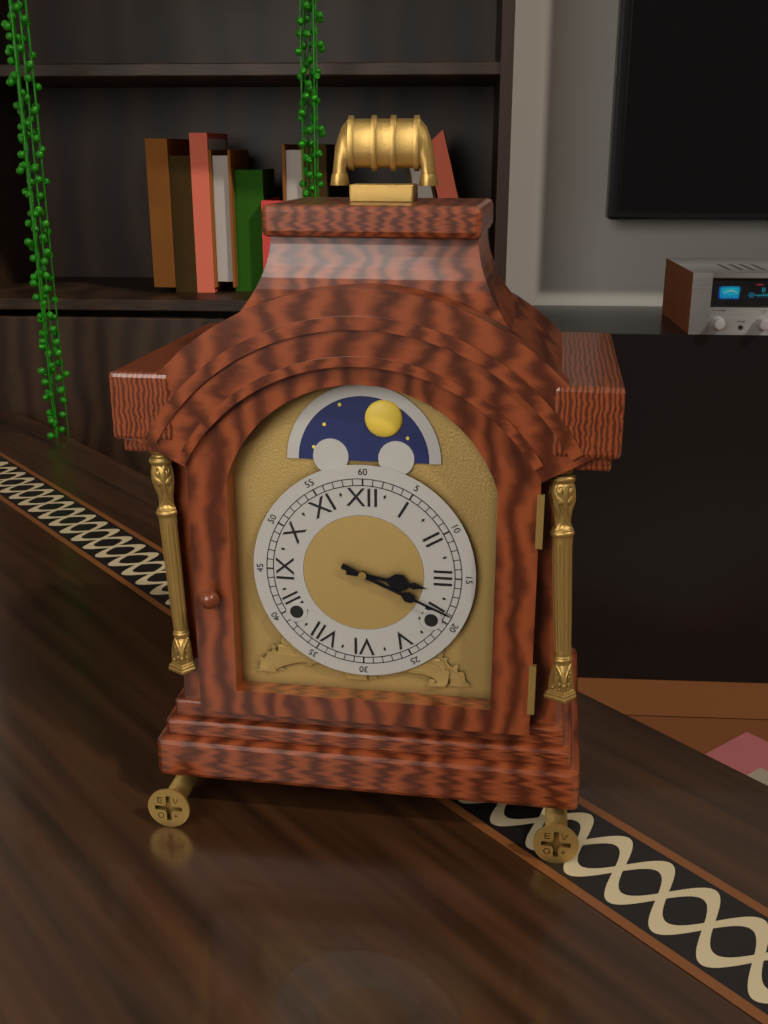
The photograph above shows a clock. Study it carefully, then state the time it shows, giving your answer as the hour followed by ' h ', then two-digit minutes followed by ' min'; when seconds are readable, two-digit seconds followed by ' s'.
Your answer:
3 h 19 min
